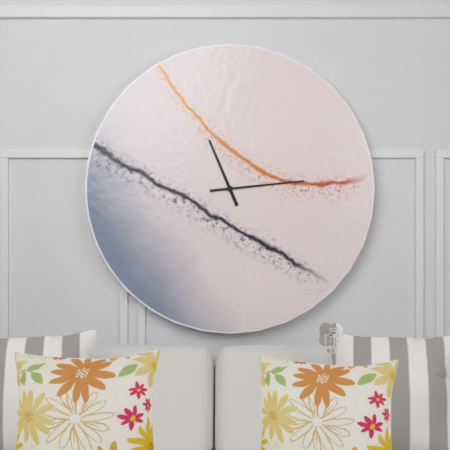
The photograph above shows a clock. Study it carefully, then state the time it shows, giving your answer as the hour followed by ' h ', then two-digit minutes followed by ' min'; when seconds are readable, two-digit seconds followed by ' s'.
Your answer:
11 h 14 min
